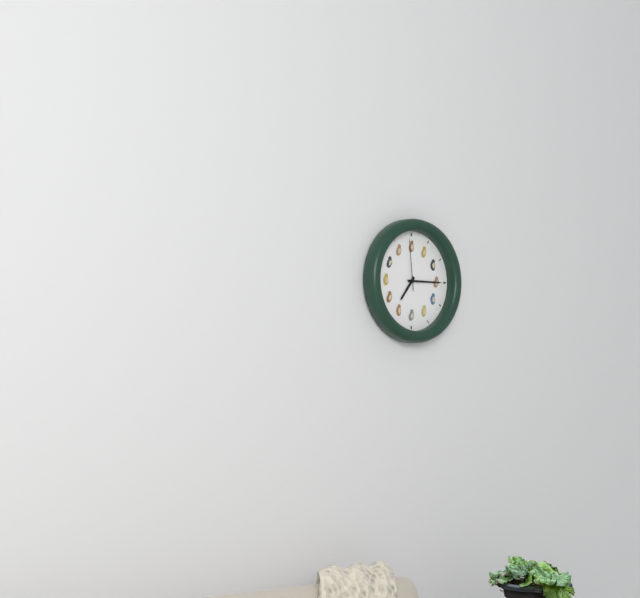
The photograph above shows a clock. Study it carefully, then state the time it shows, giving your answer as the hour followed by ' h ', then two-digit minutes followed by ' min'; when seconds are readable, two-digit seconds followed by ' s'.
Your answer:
7 h 15 min 59 s
